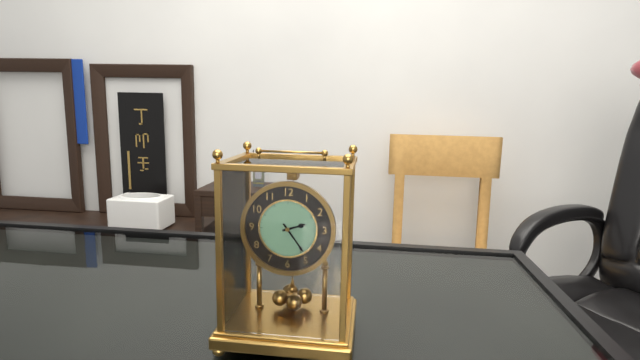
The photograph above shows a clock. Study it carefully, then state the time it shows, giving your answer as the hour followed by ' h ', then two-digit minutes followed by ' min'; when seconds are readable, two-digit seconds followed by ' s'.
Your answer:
2 h 24 min
